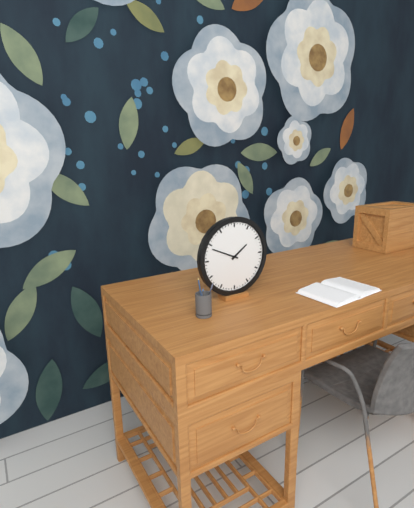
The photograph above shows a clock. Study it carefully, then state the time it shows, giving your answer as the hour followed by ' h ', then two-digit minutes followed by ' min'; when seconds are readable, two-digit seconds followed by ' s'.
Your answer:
1 h 49 min
